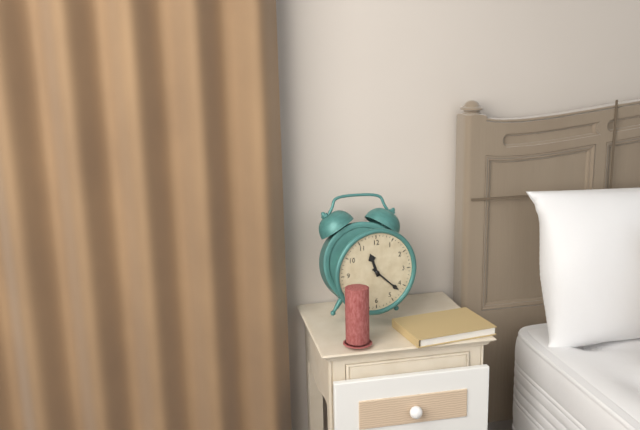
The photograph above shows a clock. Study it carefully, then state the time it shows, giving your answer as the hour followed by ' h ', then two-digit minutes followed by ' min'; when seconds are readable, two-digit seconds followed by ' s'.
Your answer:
11 h 22 min
